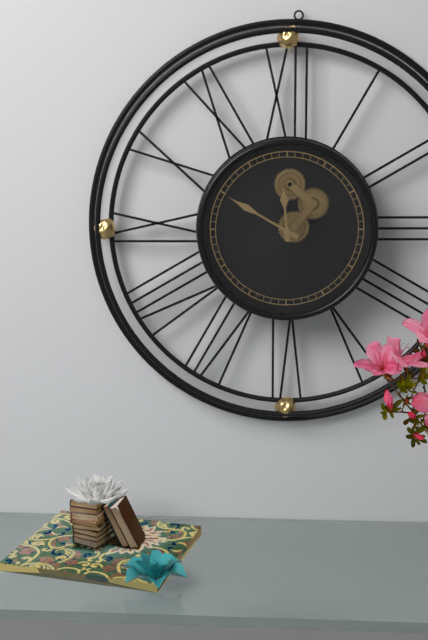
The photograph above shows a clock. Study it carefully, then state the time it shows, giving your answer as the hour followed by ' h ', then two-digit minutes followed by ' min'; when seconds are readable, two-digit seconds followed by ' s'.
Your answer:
11 h 50 min
